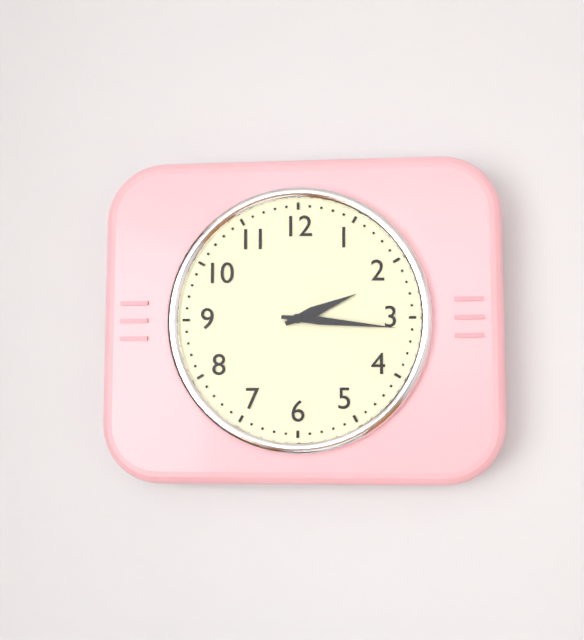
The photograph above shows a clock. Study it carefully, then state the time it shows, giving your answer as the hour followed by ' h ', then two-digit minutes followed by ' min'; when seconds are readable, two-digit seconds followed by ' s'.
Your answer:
2 h 16 min
